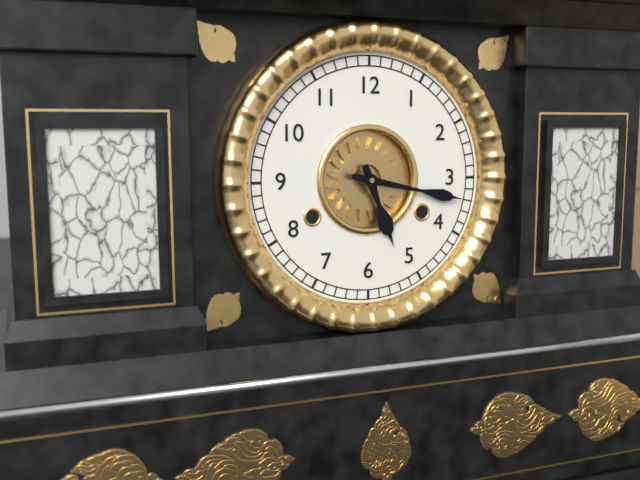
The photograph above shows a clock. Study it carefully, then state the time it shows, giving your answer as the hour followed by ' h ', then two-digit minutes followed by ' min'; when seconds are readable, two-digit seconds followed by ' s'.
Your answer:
5 h 17 min
